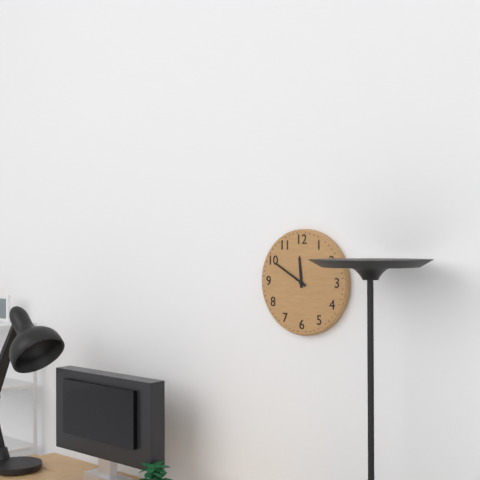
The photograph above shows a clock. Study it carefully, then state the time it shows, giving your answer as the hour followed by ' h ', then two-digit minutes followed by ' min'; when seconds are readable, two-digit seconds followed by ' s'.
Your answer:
11 h 50 min
